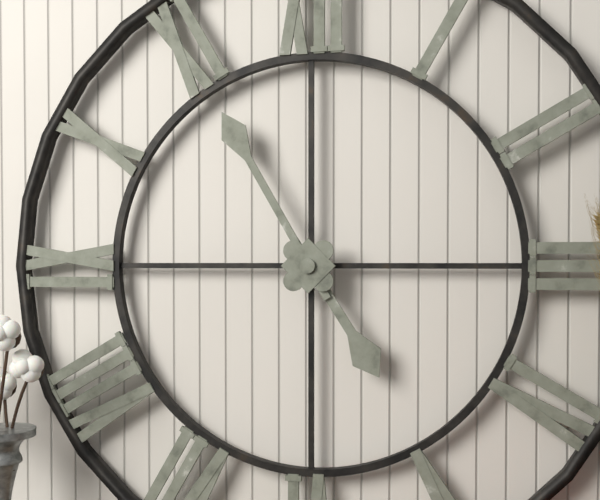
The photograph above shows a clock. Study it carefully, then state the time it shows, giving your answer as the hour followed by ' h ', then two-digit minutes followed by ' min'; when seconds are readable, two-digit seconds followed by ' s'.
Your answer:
4 h 55 min
